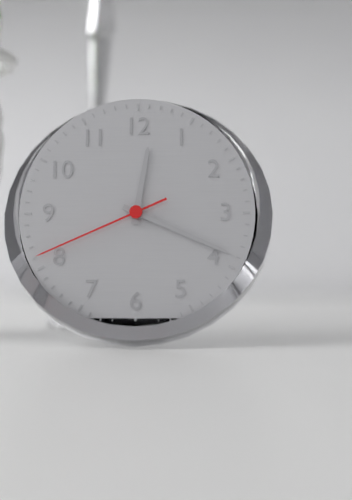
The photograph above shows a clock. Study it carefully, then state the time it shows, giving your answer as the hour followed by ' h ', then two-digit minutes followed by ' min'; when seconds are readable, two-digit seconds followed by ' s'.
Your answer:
12 h 19 min 41 s
